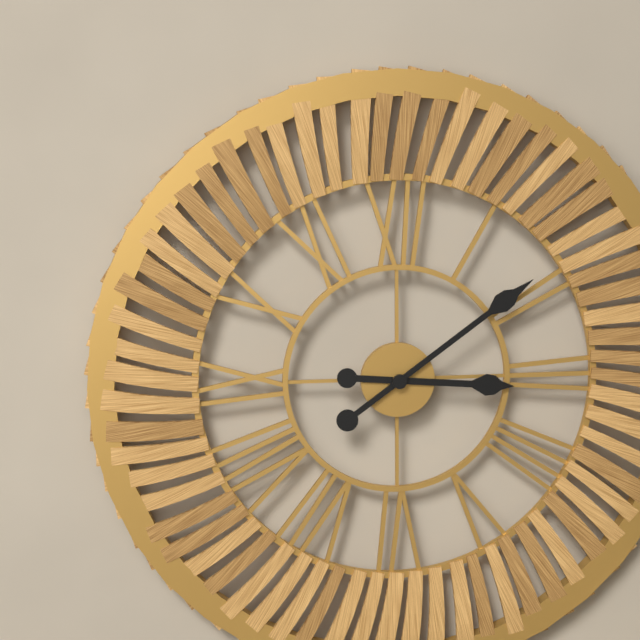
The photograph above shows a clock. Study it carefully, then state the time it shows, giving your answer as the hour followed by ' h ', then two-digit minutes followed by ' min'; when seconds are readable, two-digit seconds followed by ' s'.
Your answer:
3 h 09 min
